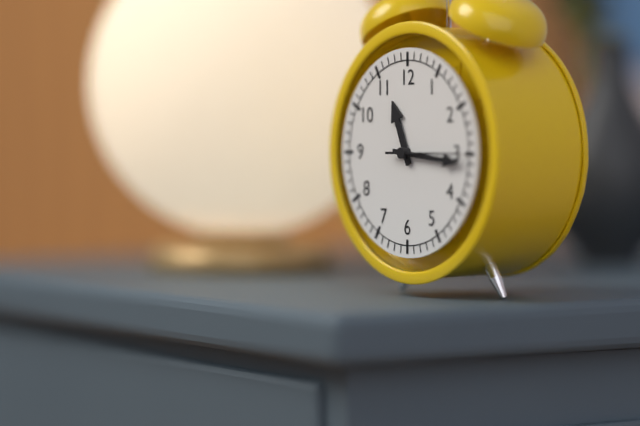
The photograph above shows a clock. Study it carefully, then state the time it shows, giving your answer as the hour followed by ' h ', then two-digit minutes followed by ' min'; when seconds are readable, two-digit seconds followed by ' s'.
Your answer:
11 h 16 min 15 s
